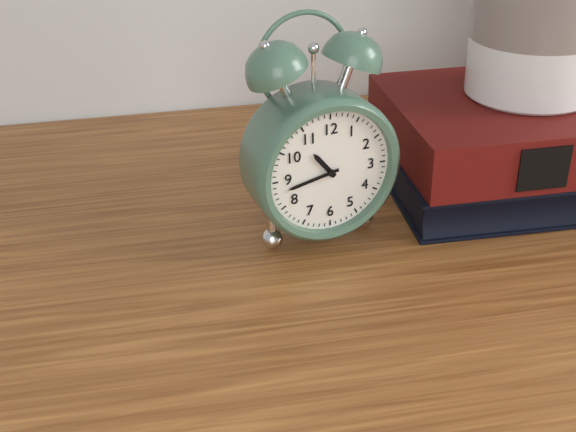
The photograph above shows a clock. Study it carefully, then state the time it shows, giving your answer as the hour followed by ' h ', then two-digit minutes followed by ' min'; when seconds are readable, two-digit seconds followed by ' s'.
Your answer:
10 h 43 min
